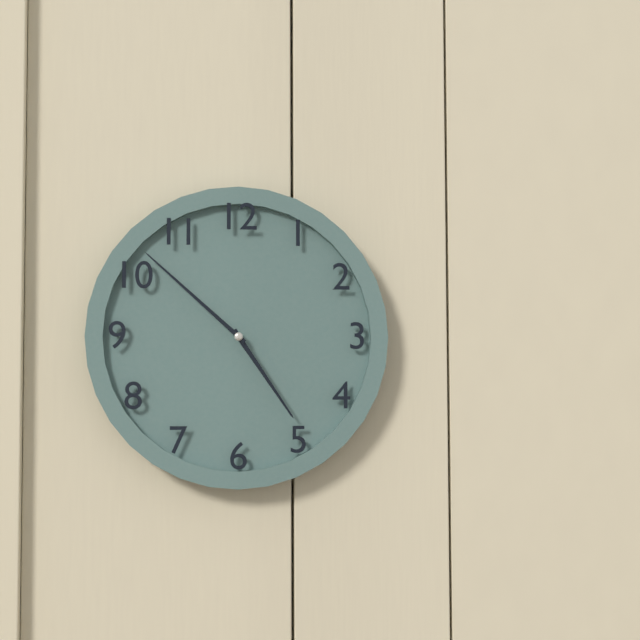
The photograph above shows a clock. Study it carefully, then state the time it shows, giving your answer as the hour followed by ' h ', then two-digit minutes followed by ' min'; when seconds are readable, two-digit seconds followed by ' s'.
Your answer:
4 h 52 min
